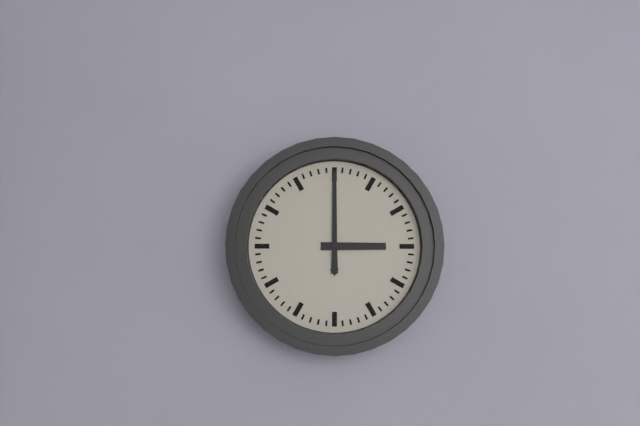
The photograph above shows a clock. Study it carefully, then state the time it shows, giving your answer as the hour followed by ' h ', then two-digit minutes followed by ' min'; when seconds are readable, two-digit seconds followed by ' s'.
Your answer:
3 h 00 min
